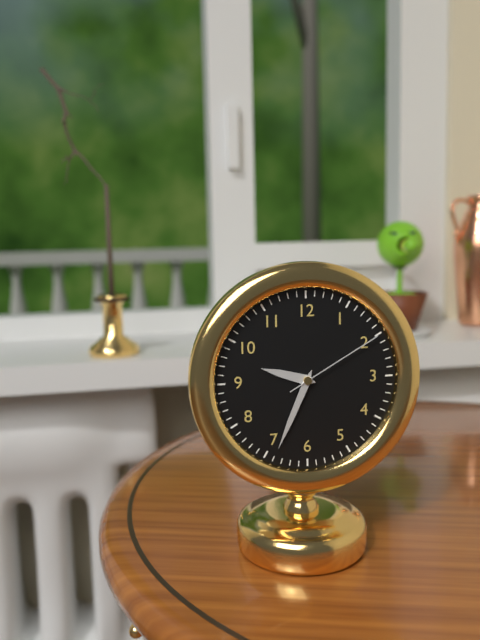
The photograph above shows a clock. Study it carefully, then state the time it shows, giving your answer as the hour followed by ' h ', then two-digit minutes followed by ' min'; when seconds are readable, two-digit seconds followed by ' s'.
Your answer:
9 h 34 min 10 s
